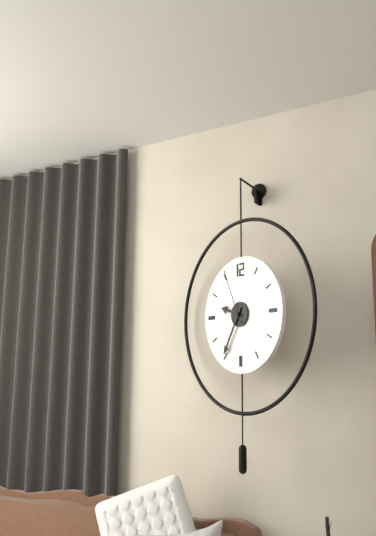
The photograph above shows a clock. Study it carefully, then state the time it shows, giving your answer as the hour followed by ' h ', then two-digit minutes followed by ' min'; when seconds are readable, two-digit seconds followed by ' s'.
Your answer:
9 h 35 min 56 s
